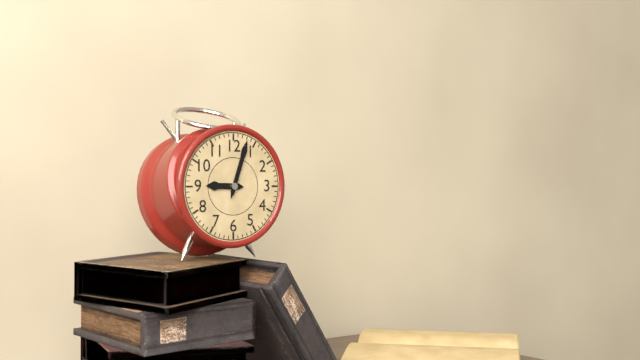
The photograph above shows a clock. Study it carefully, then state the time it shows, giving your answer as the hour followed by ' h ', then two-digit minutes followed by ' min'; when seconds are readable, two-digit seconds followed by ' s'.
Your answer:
9 h 03 min
